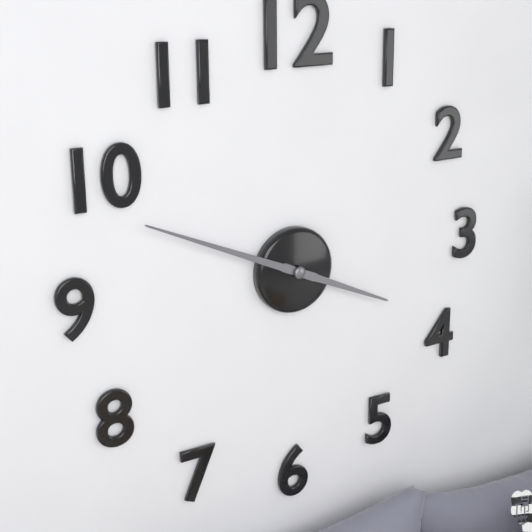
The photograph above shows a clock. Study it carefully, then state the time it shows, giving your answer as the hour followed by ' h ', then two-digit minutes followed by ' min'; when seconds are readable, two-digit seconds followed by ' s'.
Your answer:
3 h 49 min
